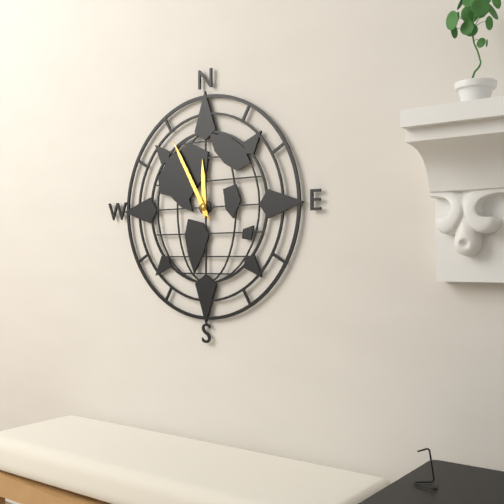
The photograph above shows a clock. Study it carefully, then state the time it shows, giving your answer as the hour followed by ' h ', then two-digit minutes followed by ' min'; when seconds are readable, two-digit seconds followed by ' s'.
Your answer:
11 h 55 min
